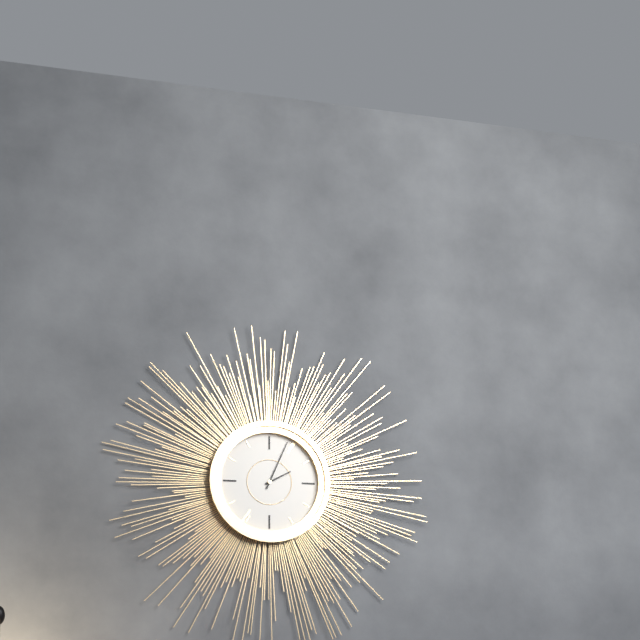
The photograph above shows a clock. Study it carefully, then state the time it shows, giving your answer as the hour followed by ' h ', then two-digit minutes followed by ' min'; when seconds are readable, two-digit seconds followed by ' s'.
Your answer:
2 h 04 min
